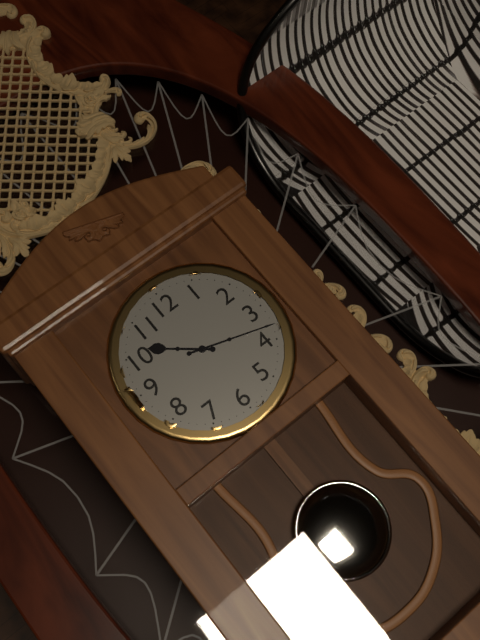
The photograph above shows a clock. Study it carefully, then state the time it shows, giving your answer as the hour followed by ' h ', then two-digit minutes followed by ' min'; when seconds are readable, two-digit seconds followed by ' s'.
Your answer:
10 h 18 min
